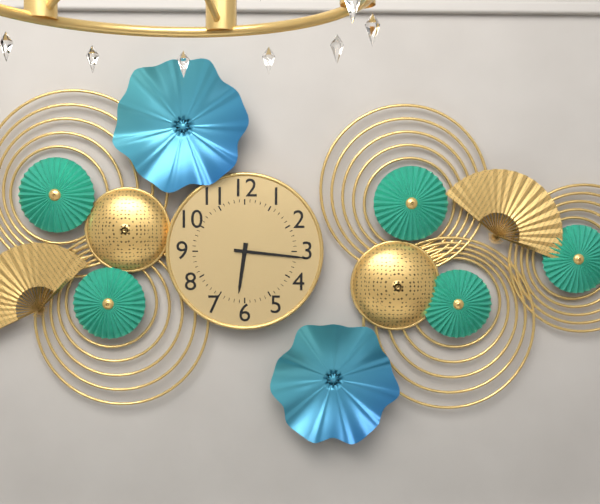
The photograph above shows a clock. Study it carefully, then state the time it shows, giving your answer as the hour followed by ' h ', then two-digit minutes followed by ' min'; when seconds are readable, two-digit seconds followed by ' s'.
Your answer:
6 h 16 min
